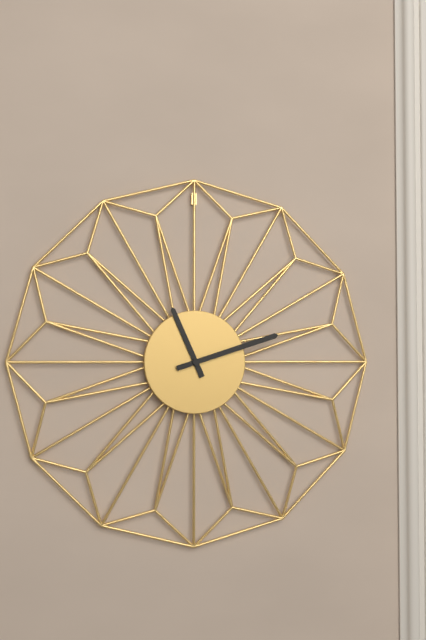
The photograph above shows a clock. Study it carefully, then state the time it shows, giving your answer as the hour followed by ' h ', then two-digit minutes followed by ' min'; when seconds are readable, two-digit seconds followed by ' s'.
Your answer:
11 h 12 min
